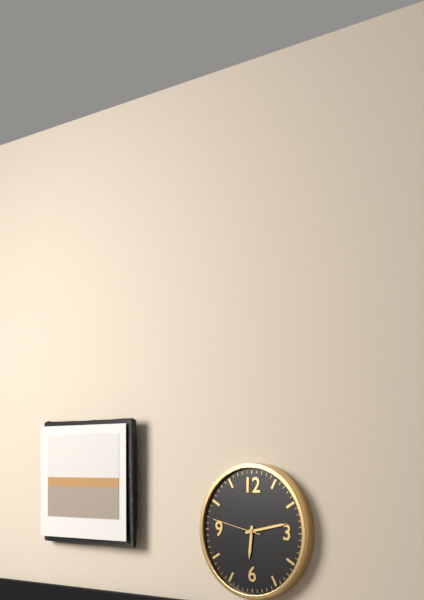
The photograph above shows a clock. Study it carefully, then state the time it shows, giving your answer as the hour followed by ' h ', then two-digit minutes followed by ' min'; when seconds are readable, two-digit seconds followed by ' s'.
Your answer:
6 h 13 min 47 s
